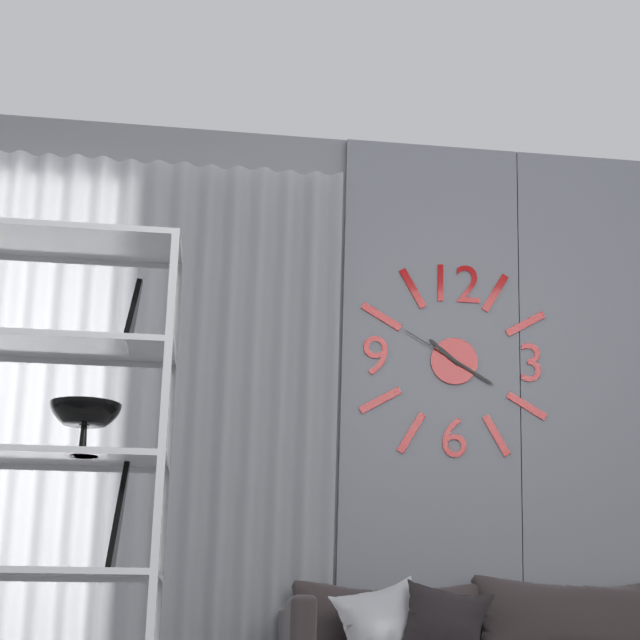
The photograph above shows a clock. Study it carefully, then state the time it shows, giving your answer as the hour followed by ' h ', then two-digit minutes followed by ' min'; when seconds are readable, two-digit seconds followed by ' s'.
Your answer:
10 h 20 min 50 s
